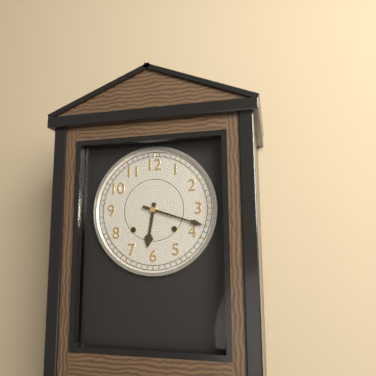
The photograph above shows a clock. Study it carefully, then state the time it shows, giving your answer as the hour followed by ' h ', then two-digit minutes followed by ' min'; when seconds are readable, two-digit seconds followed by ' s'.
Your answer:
6 h 18 min
